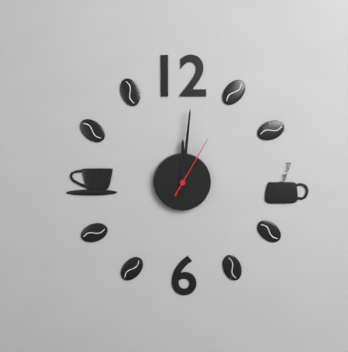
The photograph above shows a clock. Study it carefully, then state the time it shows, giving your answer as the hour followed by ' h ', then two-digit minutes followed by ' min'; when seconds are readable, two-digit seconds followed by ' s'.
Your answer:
12 h 01 min 05 s
